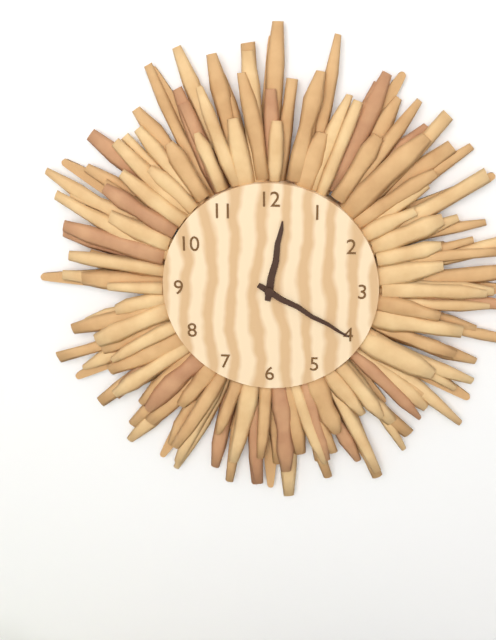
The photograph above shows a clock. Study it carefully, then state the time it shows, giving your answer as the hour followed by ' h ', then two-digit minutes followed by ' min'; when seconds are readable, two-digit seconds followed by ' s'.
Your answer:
12 h 20 min
